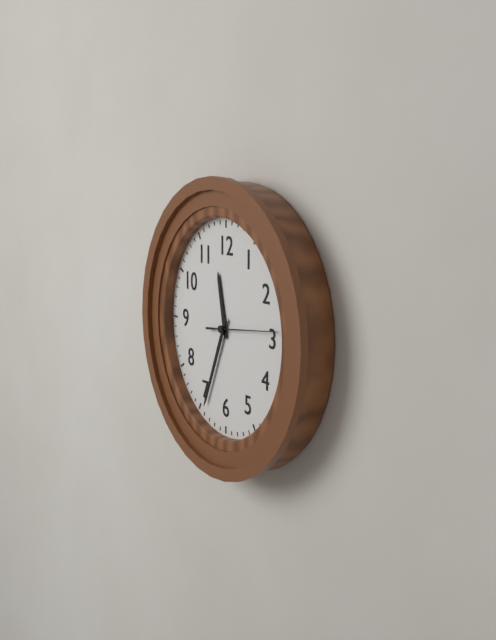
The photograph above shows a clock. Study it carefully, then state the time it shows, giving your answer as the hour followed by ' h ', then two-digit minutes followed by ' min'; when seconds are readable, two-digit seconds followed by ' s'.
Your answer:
11 h 34 min 14 s
